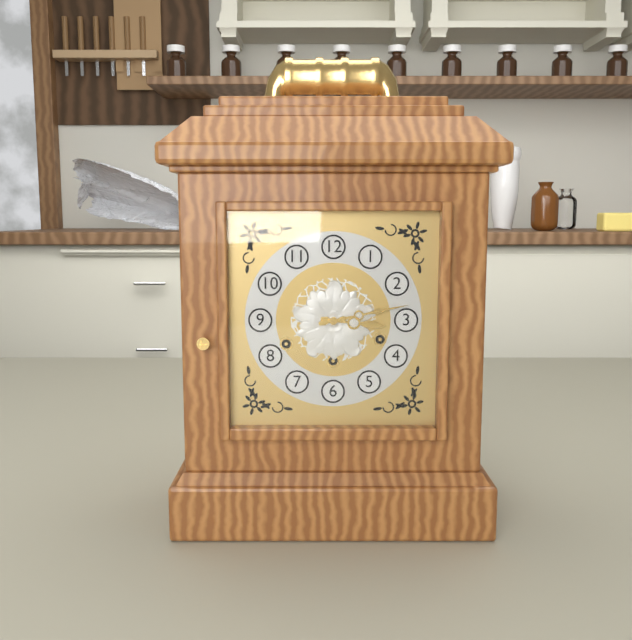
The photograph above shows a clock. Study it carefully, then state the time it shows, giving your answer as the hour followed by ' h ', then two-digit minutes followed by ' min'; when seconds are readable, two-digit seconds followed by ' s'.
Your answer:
3 h 13 min
